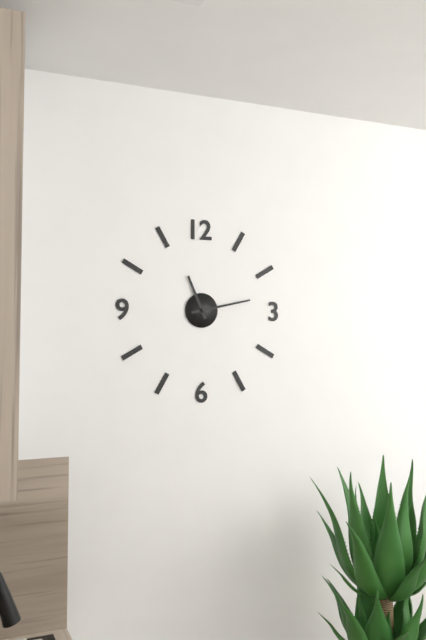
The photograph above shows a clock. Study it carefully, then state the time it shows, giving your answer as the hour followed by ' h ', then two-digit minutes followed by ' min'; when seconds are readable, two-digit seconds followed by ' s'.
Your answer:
11 h 13 min
